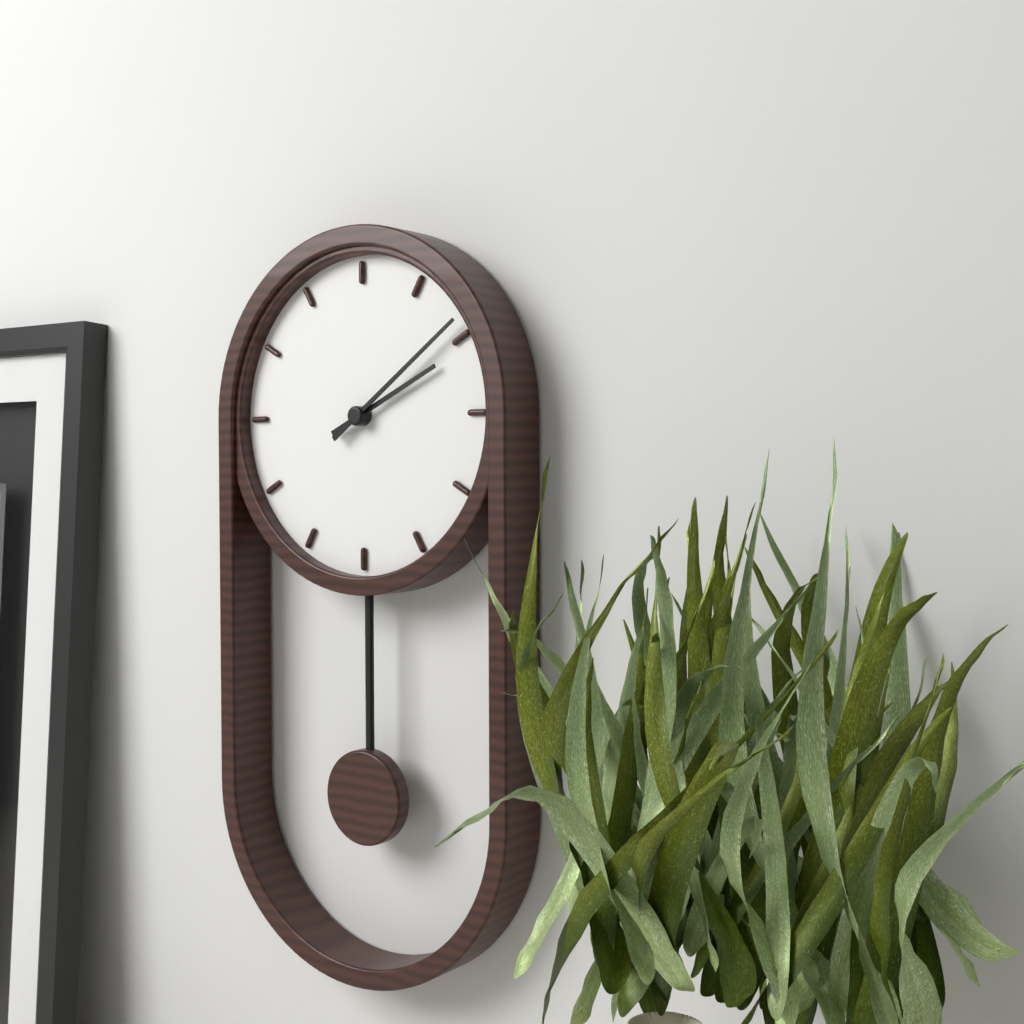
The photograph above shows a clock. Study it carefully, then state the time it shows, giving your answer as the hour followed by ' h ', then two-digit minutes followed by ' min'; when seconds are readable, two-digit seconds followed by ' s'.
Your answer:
2 h 09 min
